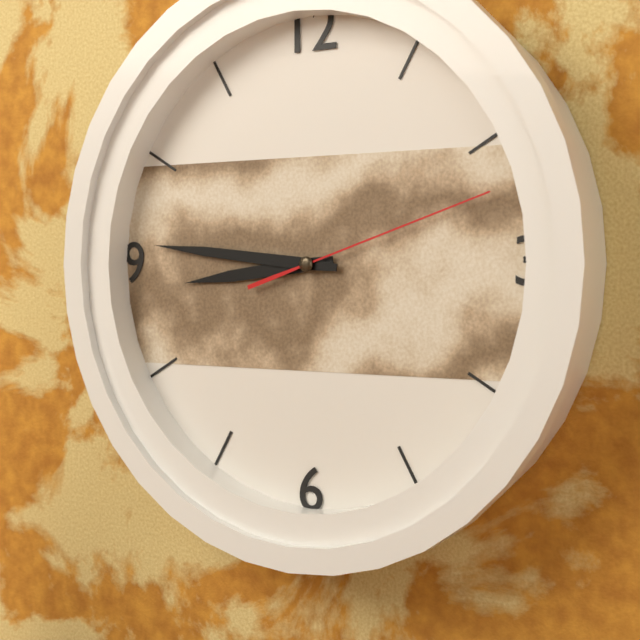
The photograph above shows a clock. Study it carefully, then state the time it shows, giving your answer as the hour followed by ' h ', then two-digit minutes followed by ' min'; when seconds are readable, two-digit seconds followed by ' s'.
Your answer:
8 h 46 min 12 s
